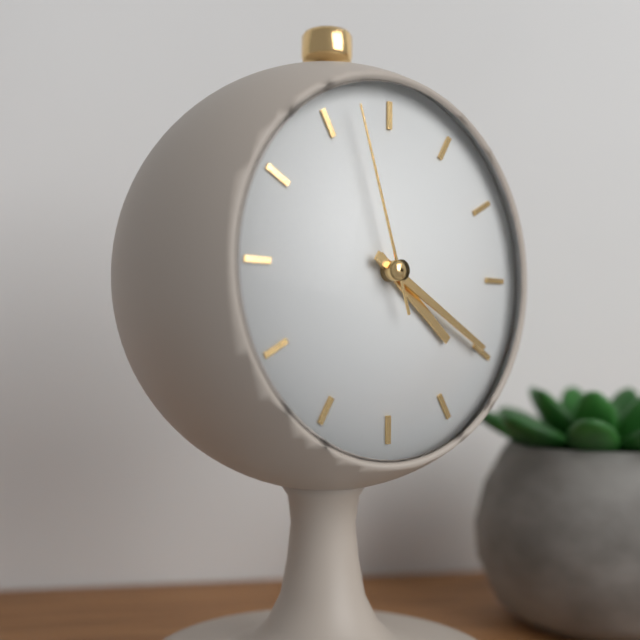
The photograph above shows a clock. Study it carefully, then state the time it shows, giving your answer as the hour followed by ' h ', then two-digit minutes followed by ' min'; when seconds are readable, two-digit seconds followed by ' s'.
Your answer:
4 h 20 min 57 s
